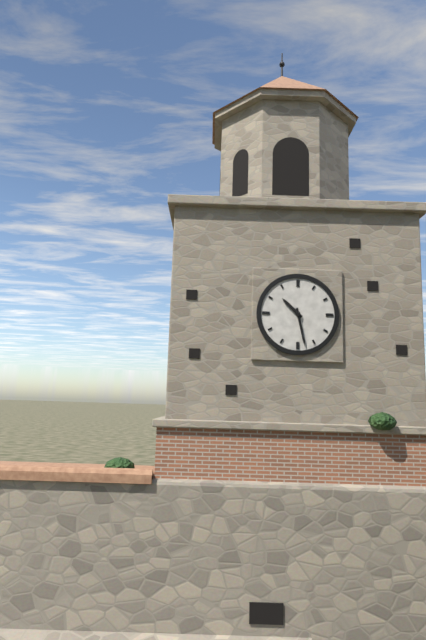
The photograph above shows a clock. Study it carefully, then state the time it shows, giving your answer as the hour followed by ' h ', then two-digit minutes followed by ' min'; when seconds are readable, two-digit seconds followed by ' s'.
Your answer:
10 h 28 min
